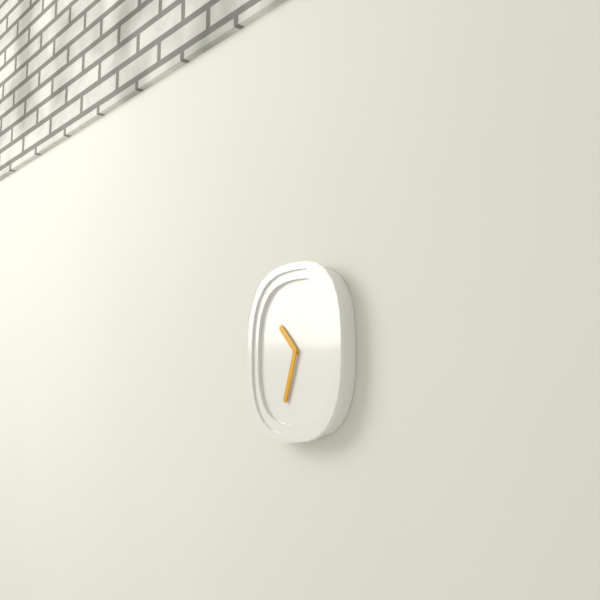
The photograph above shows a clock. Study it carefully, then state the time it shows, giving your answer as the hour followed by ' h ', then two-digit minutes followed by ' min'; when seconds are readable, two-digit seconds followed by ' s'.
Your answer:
10 h 33 min
